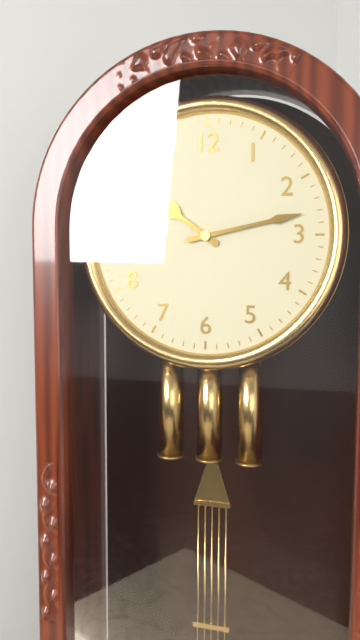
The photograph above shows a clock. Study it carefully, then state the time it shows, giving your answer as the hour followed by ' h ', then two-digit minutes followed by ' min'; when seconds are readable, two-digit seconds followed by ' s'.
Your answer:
10 h 13 min
